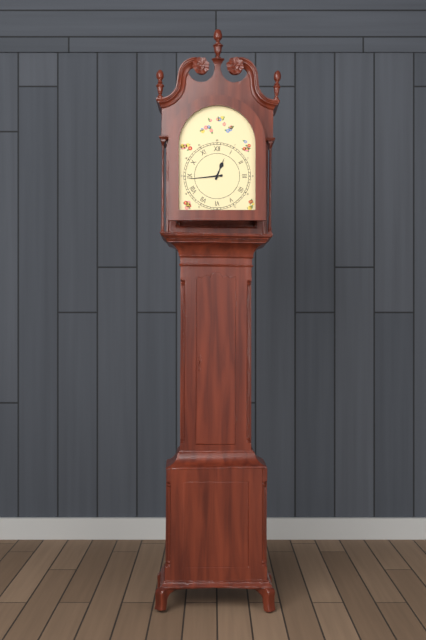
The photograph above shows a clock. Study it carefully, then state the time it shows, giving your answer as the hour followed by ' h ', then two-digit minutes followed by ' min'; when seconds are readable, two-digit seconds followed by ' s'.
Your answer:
12 h 44 min
